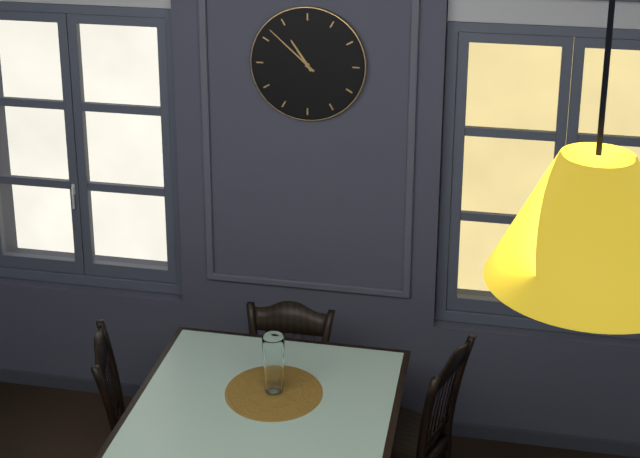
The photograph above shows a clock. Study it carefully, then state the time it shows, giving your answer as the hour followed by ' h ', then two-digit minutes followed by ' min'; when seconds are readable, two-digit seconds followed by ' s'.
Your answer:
10 h 52 min
